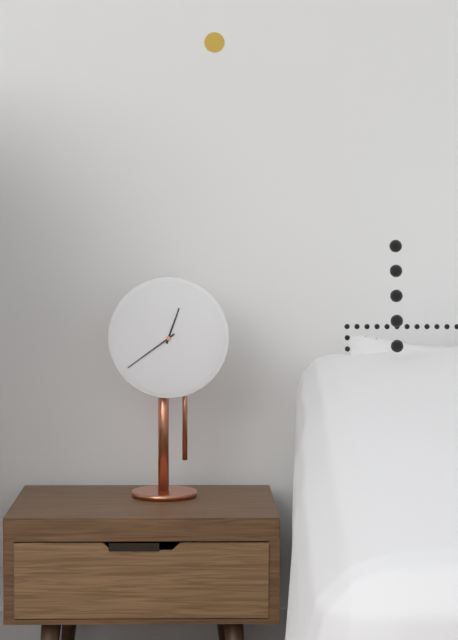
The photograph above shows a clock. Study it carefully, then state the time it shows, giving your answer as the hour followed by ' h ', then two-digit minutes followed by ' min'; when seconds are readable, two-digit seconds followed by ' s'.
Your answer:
12 h 39 min
